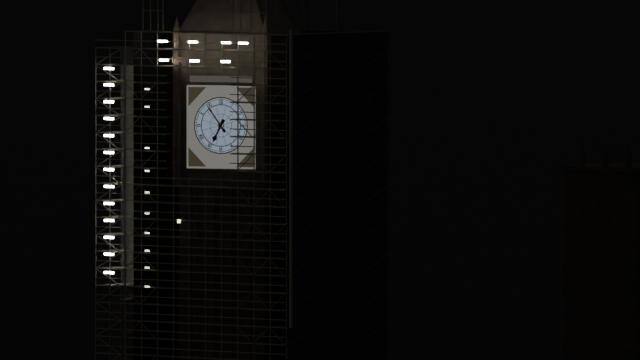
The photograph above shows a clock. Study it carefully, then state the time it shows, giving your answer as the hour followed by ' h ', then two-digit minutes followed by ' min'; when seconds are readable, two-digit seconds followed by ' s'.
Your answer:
6 h 54 min
